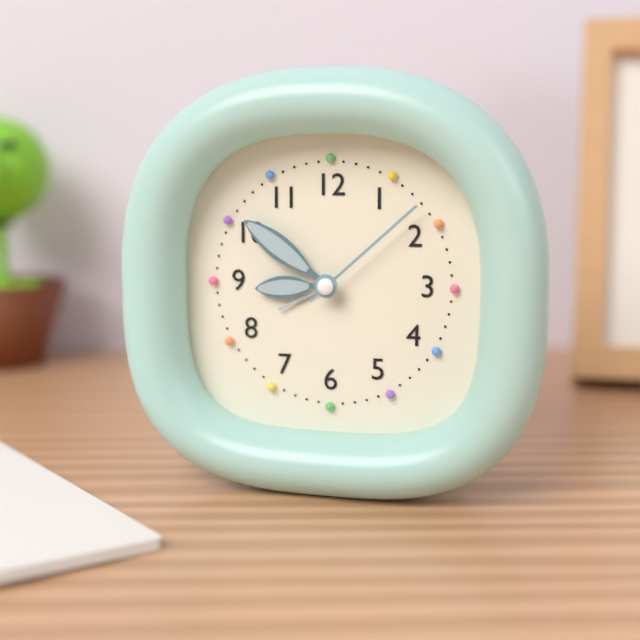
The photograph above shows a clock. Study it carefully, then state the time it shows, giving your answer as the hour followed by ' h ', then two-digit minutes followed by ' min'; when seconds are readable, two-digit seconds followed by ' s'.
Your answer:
8 h 51 min 08 s
